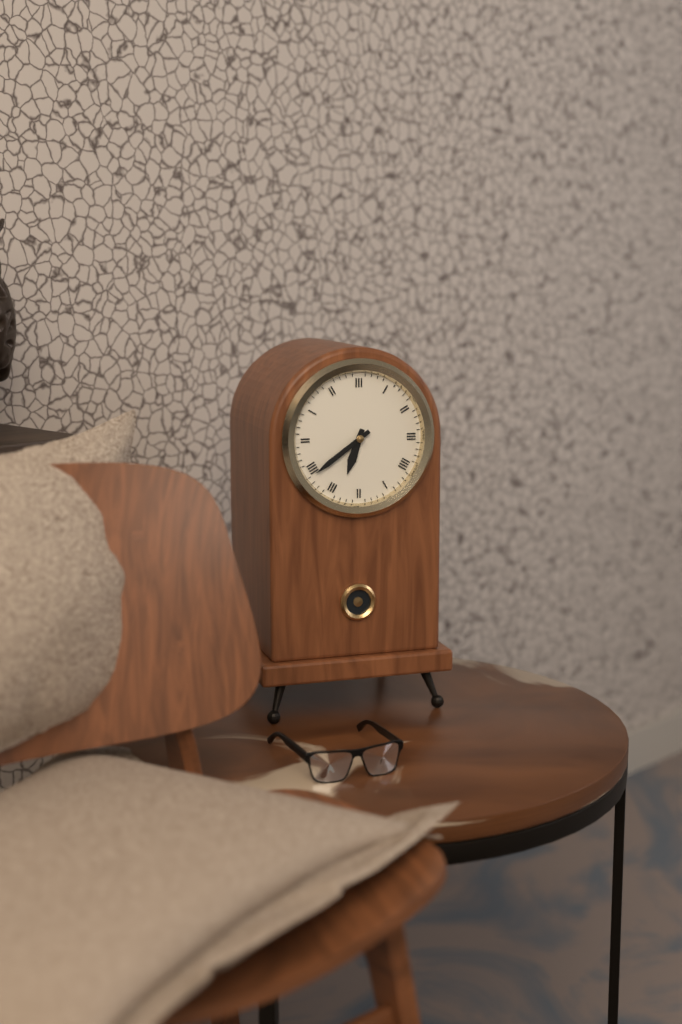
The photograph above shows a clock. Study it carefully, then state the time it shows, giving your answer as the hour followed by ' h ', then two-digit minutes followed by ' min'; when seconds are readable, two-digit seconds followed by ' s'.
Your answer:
6 h 39 min
